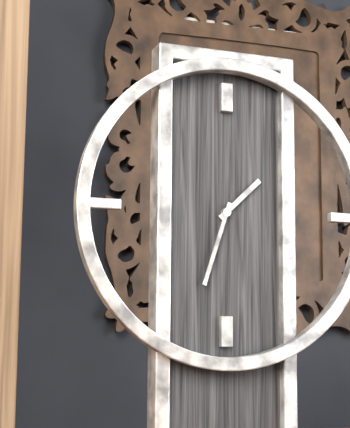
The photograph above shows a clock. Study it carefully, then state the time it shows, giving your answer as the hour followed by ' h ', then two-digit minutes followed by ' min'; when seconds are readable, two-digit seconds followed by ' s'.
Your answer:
1 h 33 min
